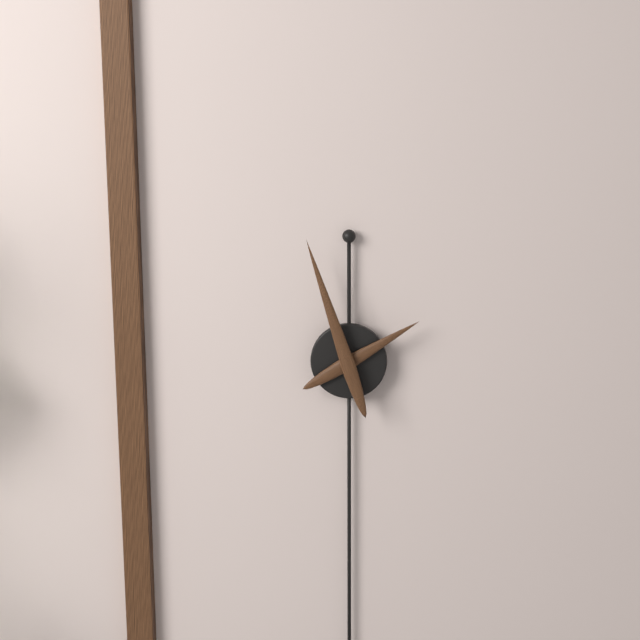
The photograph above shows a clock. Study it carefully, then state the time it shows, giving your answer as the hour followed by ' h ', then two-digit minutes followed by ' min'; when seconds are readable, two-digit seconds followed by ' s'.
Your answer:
1 h 57 min
